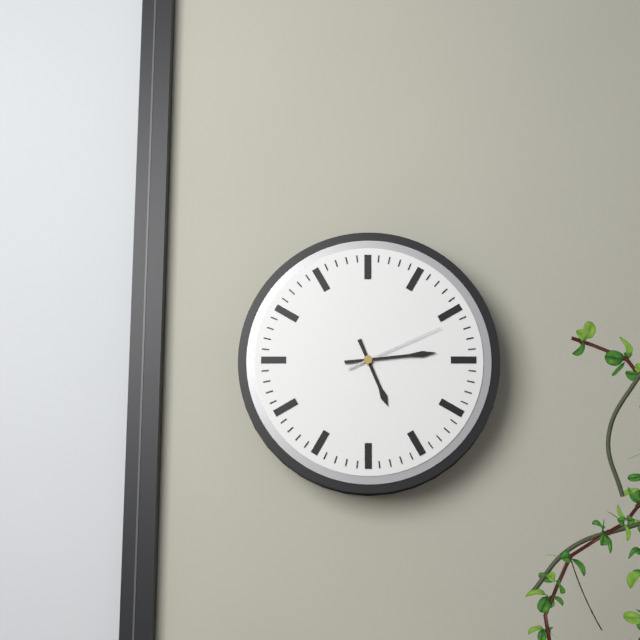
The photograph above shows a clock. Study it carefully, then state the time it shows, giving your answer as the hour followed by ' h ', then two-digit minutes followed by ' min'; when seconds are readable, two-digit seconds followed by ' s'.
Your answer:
5 h 14 min 11 s
